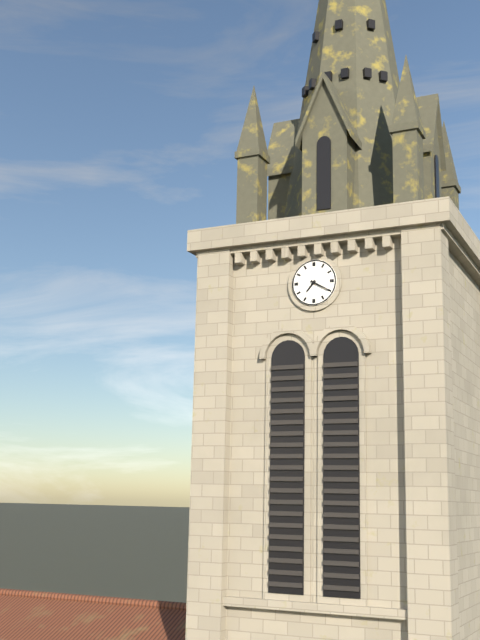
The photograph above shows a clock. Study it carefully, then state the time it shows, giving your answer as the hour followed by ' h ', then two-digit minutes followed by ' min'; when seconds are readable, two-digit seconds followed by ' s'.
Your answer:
7 h 20 min
